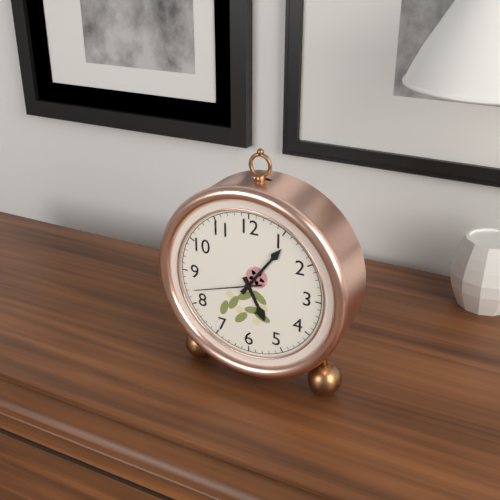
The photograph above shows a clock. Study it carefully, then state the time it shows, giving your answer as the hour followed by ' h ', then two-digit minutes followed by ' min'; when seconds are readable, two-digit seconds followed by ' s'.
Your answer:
5 h 06 min 42 s
